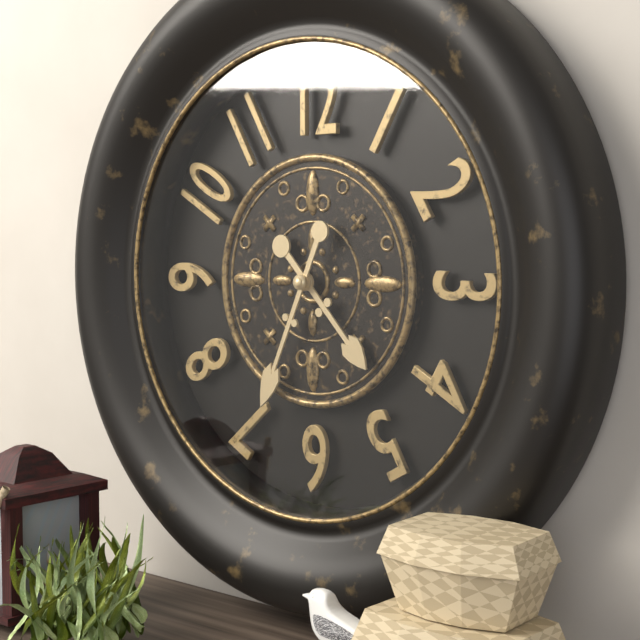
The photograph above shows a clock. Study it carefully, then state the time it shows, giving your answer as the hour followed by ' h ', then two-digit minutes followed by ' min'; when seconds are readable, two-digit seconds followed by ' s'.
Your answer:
4 h 34 min
